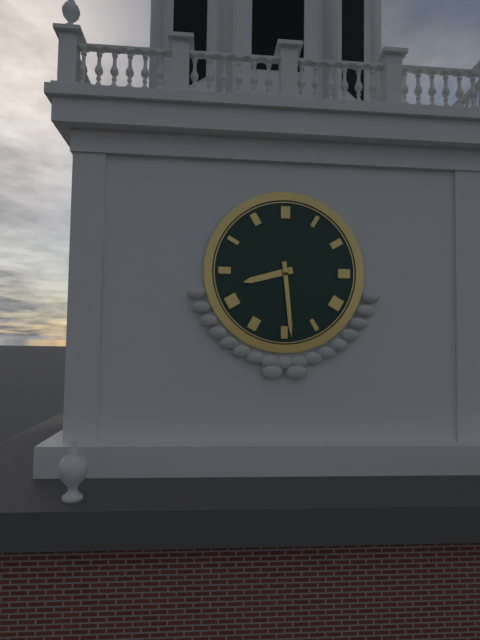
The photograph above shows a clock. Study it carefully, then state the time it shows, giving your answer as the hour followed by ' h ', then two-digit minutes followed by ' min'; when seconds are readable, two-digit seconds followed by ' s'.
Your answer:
8 h 29 min
